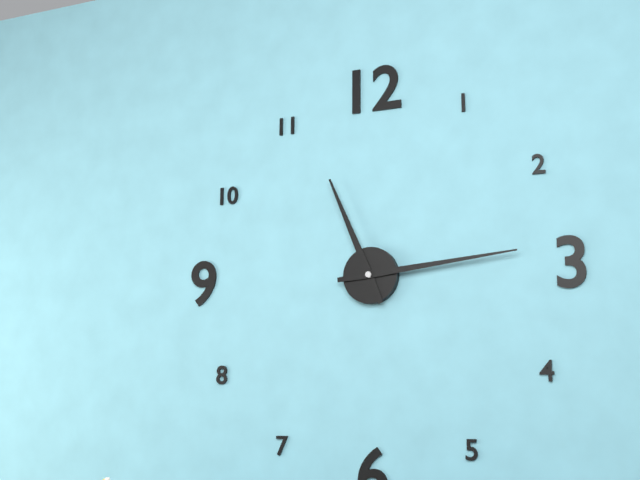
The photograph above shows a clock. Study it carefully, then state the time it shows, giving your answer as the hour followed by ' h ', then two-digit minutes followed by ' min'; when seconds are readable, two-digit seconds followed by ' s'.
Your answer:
11 h 14 min
